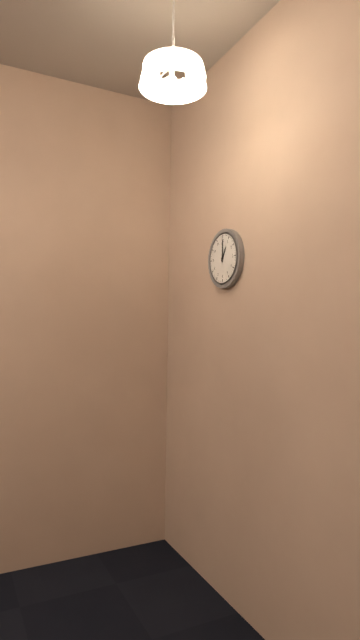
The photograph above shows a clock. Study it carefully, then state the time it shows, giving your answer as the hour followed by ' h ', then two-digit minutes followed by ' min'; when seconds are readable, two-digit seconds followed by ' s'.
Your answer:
1 h 00 min
